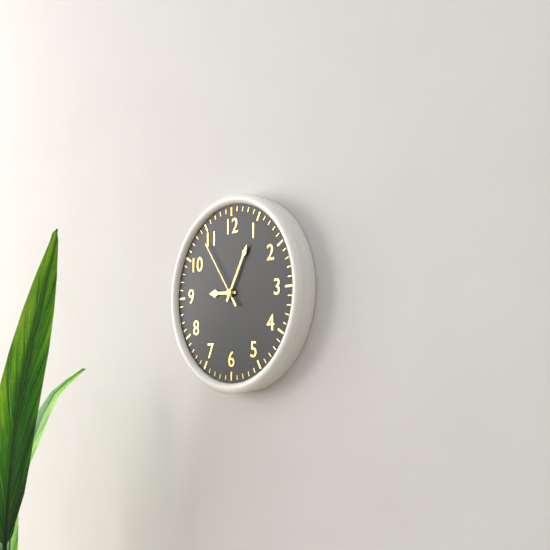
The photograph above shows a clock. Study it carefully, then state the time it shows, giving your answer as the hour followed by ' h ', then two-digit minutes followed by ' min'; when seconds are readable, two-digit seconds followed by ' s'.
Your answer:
9 h 05 min 54 s
